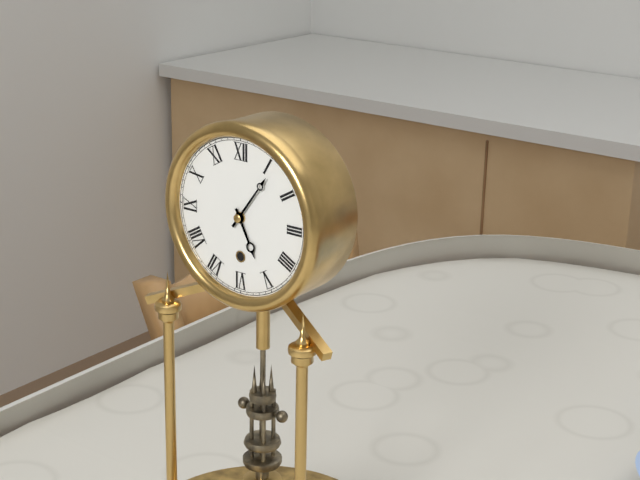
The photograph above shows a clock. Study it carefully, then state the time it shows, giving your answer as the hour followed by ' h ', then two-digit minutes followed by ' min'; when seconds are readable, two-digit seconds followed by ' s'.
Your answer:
5 h 06 min
